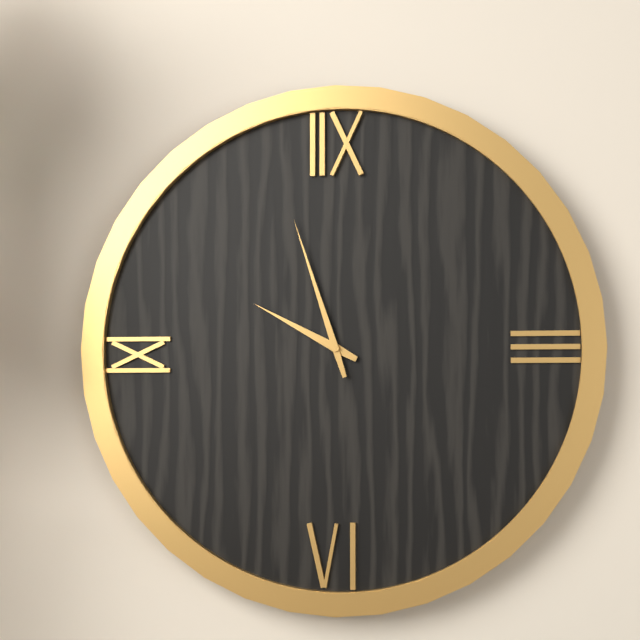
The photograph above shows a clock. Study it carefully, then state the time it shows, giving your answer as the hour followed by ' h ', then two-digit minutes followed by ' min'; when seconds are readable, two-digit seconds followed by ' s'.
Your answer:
9 h 57 min
